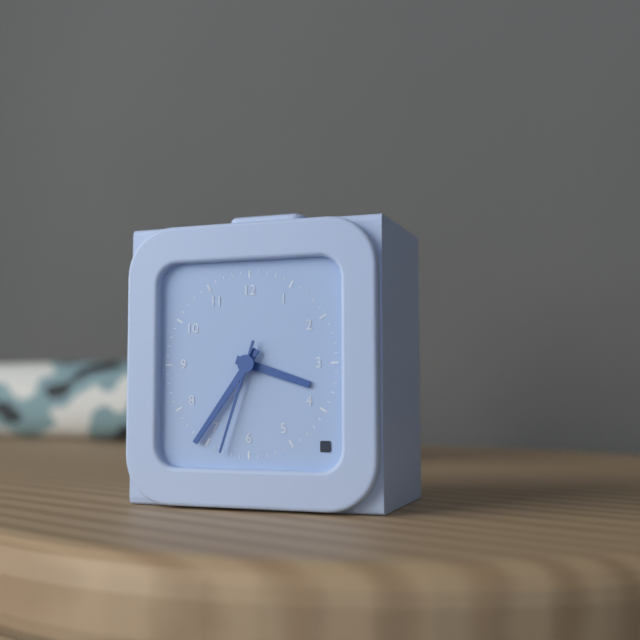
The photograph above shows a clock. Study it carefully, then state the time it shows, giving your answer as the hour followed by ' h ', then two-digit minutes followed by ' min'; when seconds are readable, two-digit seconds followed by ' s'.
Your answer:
3 h 36 min 33 s
